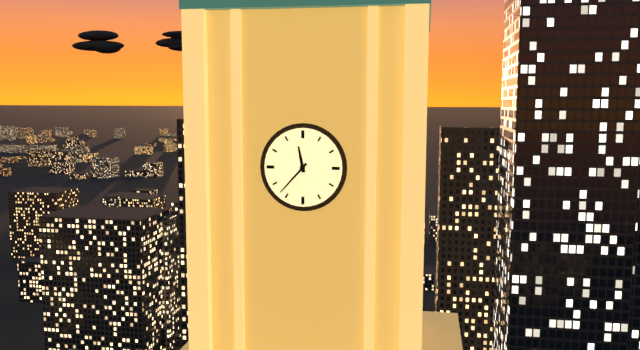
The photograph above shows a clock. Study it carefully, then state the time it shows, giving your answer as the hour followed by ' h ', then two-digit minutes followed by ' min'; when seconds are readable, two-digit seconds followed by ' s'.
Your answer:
11 h 37 min
